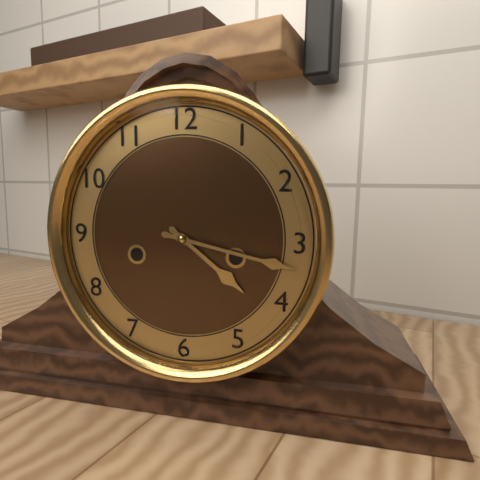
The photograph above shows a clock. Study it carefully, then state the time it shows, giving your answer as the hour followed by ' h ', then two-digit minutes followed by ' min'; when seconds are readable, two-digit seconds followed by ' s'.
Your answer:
4 h 17 min
